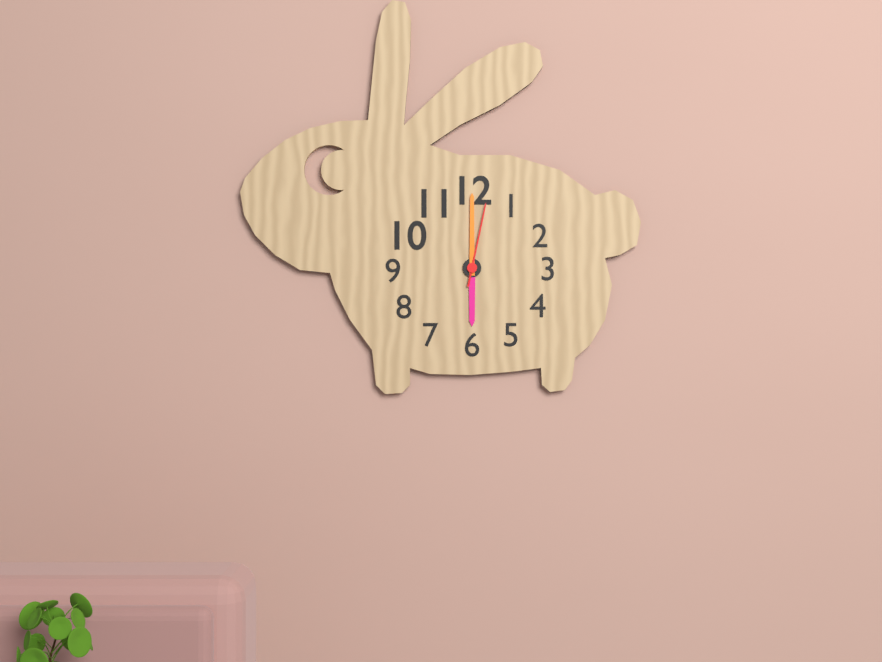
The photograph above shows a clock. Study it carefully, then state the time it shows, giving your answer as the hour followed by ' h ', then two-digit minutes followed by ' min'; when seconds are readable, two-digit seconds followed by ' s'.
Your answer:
6 h 00 min 02 s
